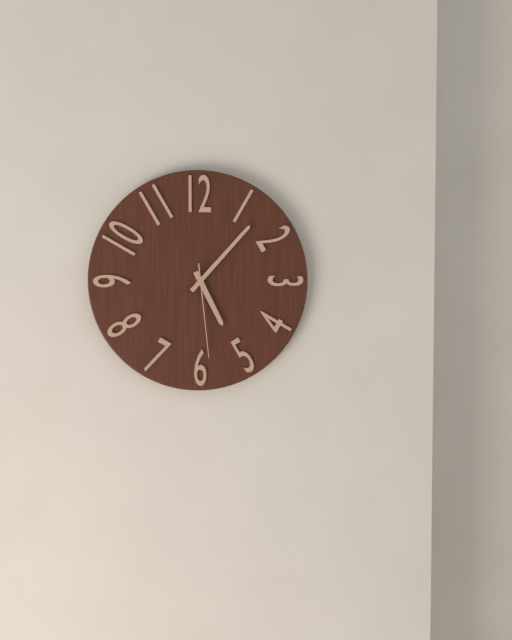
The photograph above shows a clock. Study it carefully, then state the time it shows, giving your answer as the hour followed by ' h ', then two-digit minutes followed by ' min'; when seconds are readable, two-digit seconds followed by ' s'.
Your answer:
5 h 07 min 29 s
